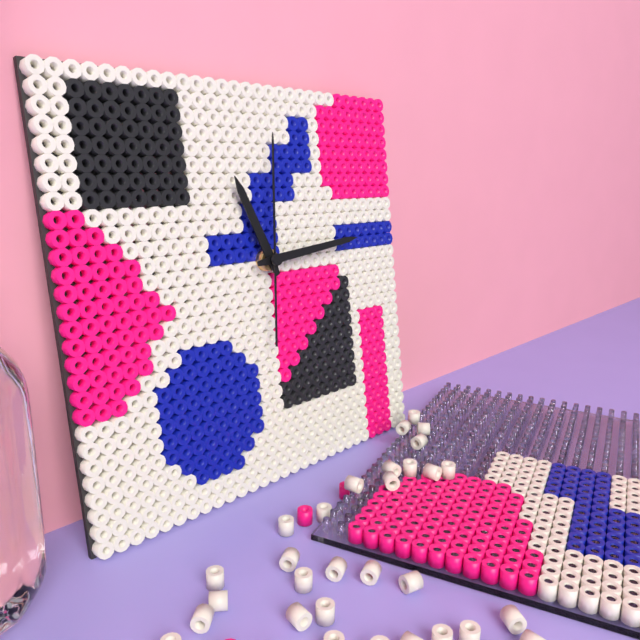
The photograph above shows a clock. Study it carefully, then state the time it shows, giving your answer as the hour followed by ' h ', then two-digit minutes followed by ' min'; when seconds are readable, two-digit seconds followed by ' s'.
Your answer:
11 h 14 min 01 s
